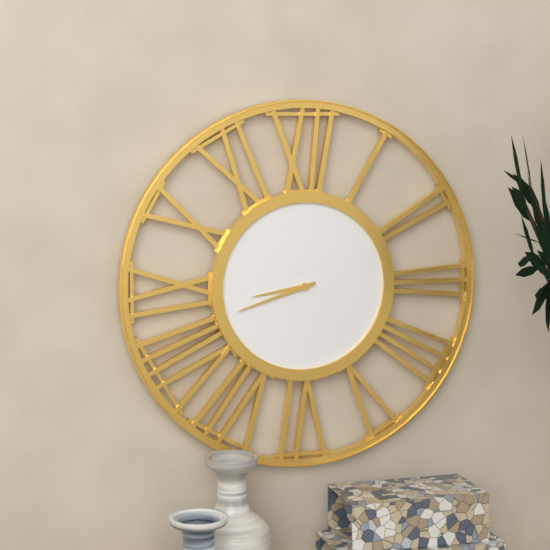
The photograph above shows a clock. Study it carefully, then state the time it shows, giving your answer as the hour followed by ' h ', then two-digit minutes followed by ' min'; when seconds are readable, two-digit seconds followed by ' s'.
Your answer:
8 h 42 min
